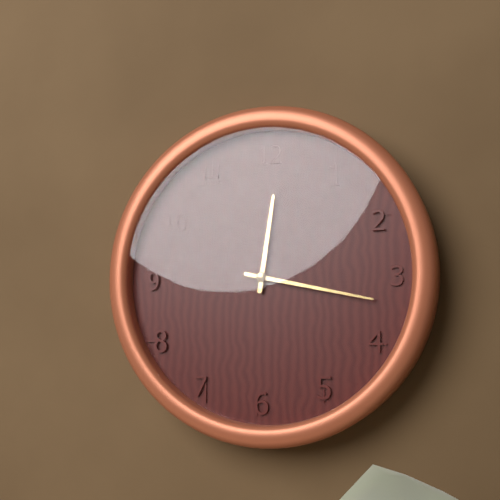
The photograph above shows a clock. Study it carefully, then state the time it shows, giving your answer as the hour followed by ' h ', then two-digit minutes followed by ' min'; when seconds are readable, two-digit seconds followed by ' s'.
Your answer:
12 h 17 min
